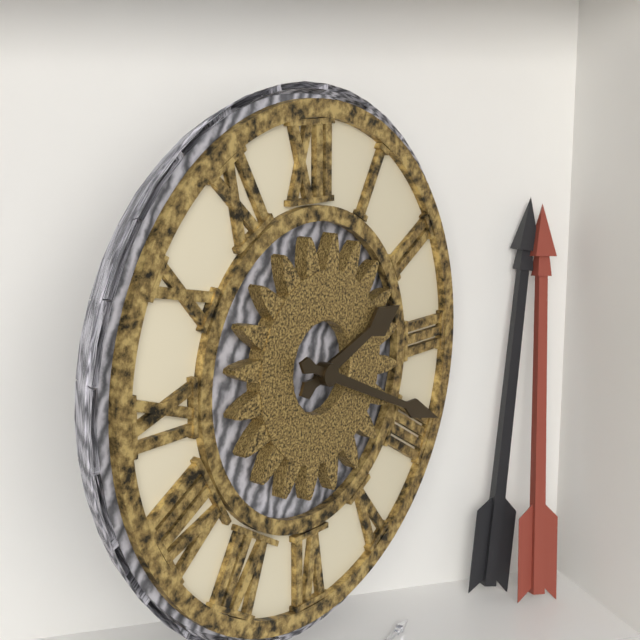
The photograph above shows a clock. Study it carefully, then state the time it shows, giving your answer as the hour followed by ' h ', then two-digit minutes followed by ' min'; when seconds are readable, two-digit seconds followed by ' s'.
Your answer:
2 h 19 min
